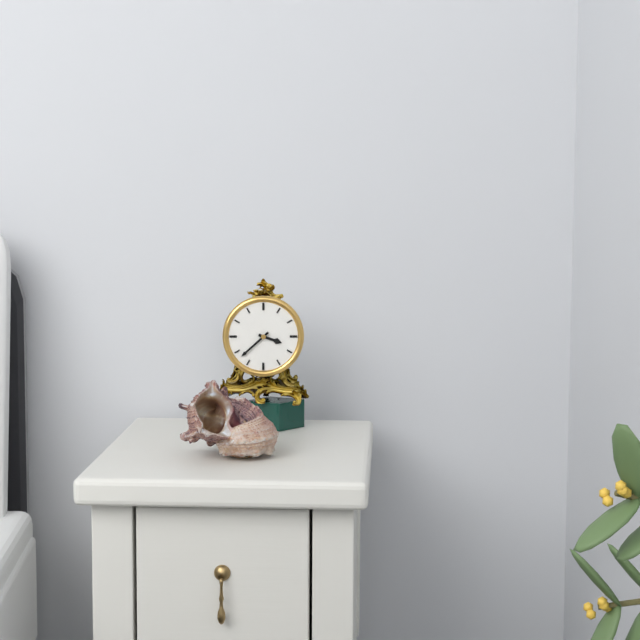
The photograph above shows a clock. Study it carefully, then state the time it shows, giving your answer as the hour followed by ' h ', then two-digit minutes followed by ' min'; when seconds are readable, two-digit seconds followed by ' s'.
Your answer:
3 h 38 min
